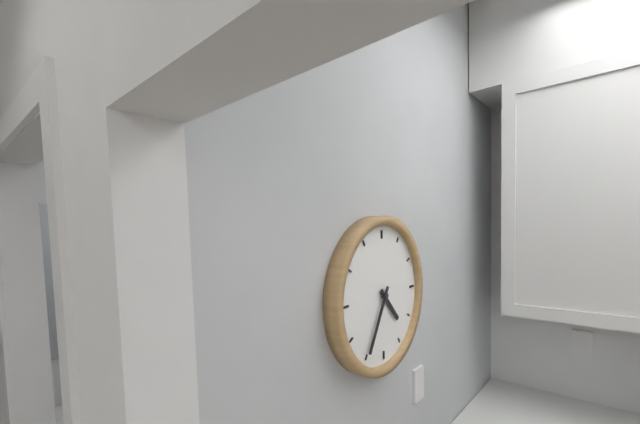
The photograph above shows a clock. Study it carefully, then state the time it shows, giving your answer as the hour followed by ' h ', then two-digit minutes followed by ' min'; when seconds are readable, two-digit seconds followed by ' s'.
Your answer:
4 h 35 min
